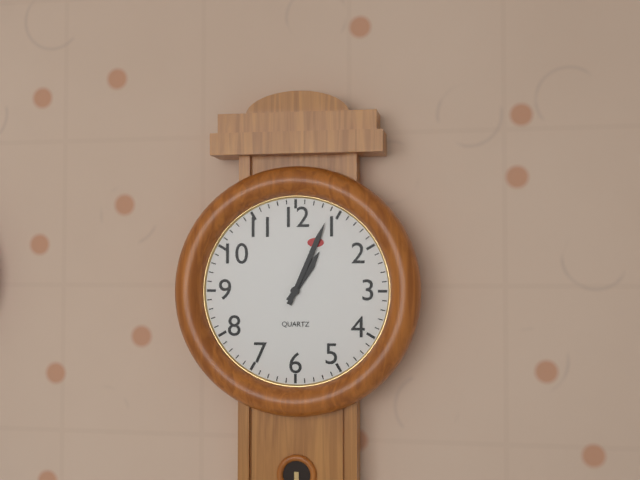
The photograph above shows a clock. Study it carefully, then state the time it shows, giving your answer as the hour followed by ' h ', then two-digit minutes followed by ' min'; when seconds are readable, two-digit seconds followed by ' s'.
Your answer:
1 h 04 min
